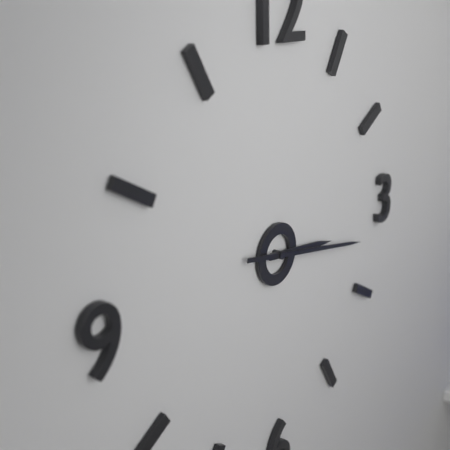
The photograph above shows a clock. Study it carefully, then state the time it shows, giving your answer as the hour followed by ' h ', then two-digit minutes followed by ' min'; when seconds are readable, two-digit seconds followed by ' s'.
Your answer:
3 h 17 min
